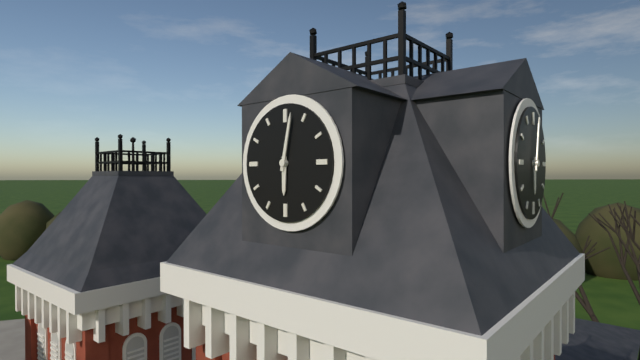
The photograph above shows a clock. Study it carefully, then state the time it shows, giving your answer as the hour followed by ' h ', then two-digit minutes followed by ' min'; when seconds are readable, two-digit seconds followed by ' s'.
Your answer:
6 h 02 min
